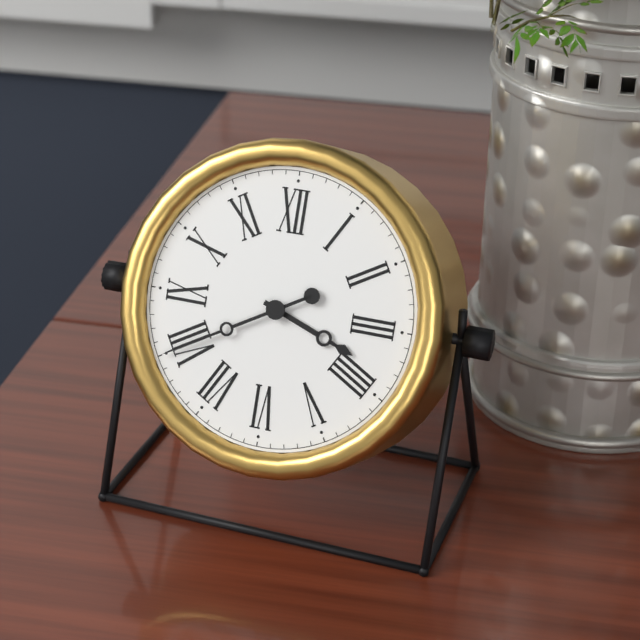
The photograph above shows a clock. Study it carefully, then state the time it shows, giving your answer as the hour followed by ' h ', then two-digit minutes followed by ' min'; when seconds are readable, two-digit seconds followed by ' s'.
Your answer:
3 h 40 min
